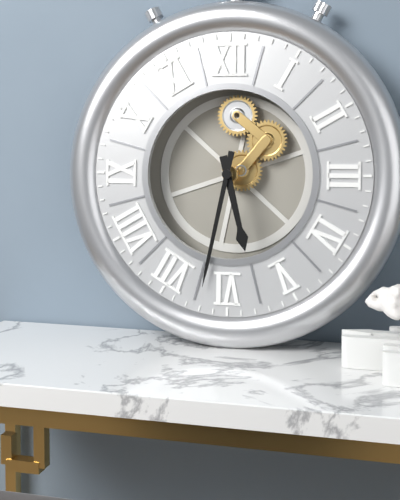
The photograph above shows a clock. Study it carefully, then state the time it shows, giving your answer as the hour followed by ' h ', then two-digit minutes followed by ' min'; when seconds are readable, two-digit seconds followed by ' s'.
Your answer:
5 h 32 min
